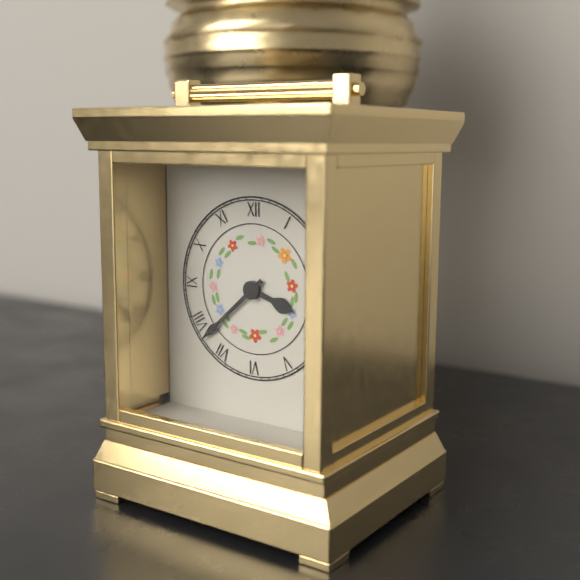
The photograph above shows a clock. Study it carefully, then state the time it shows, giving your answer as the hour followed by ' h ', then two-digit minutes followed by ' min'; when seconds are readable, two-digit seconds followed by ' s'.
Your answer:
3 h 38 min
